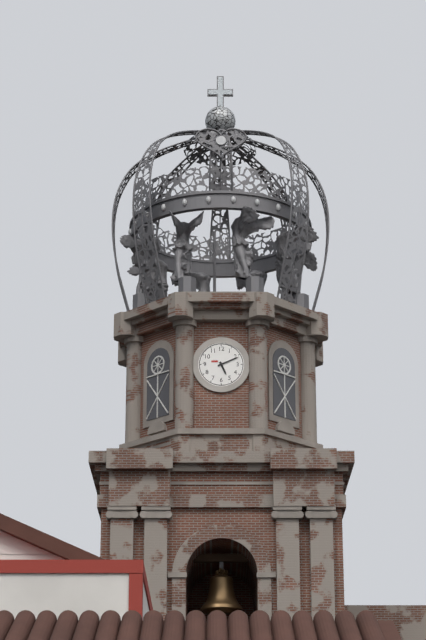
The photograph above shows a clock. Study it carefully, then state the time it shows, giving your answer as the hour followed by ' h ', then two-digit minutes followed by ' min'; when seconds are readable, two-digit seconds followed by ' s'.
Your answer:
5 h 11 min
